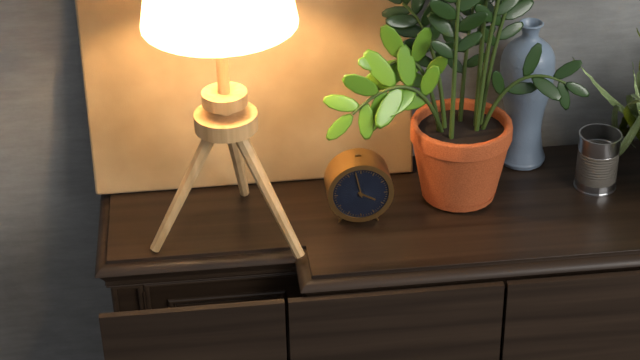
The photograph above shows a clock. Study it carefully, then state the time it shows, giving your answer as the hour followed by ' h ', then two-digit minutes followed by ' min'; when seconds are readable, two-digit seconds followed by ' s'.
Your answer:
3 h 58 min
